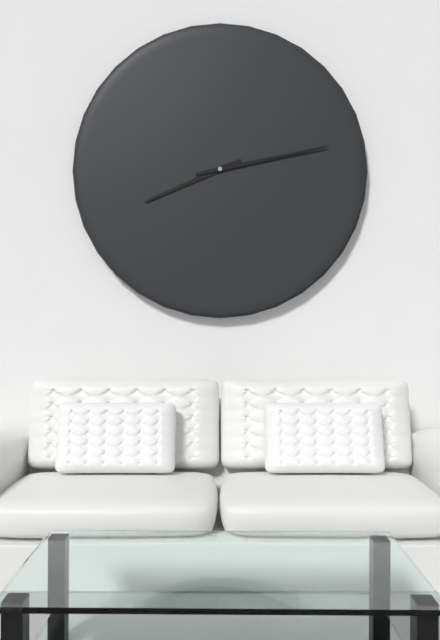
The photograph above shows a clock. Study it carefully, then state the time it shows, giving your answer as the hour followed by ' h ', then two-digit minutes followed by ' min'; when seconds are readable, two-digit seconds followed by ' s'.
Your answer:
8 h 13 min
